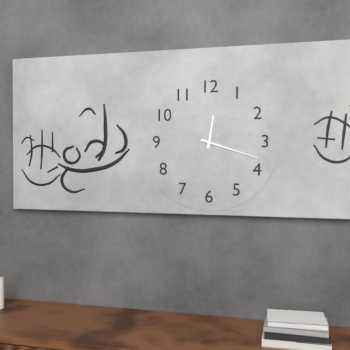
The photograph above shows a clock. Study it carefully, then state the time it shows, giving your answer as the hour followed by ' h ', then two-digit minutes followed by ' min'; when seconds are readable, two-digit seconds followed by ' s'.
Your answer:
12 h 18 min
